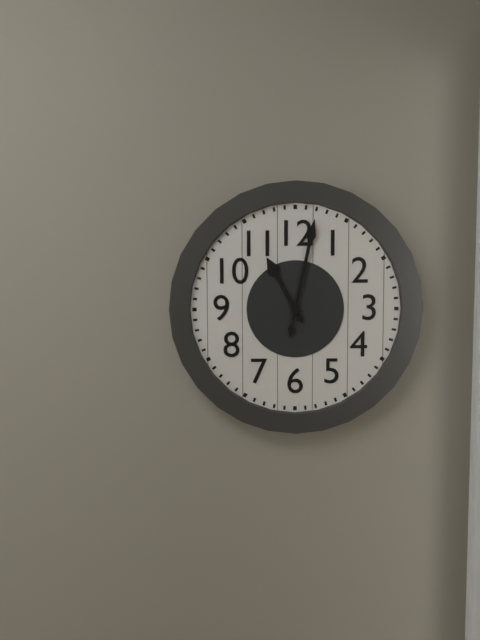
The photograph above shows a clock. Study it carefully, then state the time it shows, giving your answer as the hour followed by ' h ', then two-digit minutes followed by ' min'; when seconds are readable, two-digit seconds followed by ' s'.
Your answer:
11 h 02 min
